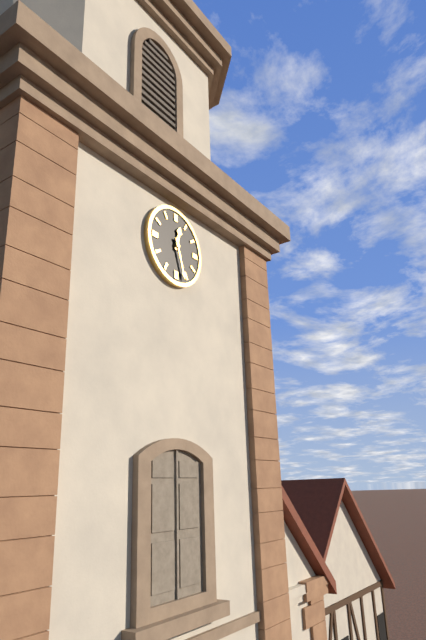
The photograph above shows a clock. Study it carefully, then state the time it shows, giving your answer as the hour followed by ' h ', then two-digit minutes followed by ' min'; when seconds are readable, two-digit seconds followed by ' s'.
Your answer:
12 h 27 min
